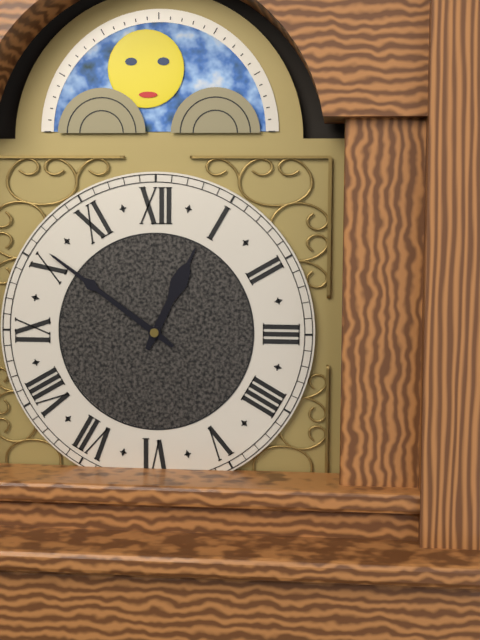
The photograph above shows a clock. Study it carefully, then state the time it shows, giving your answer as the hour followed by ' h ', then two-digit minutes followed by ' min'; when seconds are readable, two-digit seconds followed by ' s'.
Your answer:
12 h 51 min
